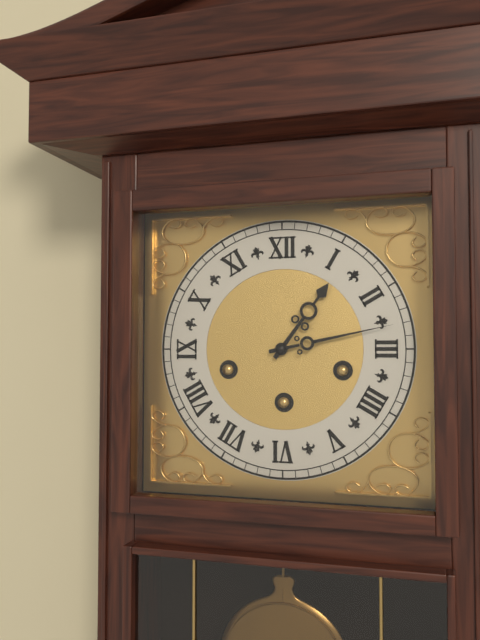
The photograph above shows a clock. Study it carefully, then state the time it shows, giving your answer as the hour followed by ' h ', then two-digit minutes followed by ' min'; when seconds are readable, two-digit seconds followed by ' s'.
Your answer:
1 h 13 min
